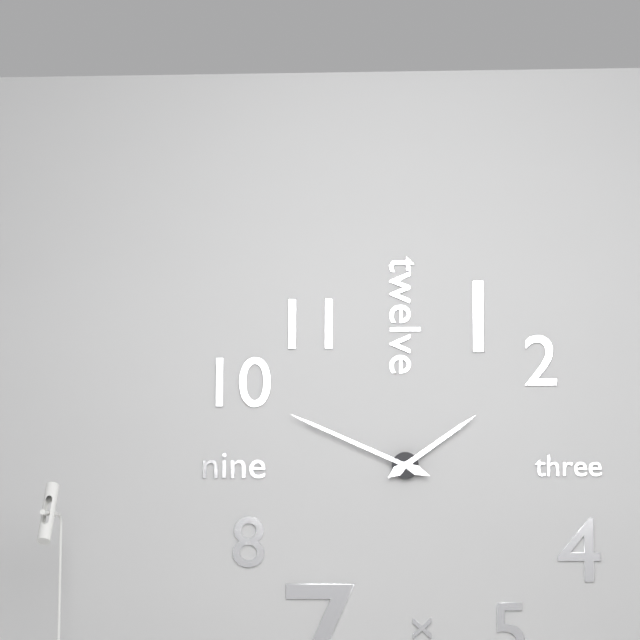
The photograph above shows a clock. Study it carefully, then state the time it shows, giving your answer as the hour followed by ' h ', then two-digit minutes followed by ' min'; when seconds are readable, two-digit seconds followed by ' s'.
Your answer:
1 h 49 min
